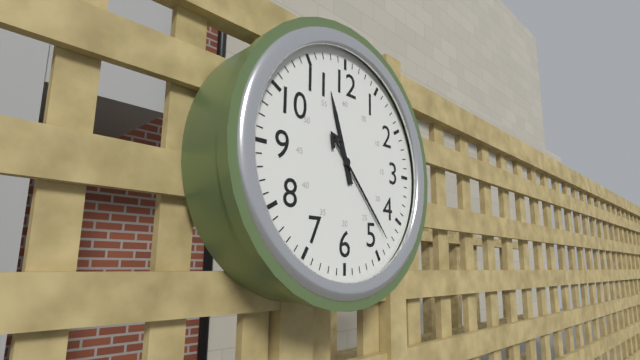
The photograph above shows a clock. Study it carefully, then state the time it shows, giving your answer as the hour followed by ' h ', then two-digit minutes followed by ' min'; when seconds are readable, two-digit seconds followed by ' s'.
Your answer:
11 h 23 min
